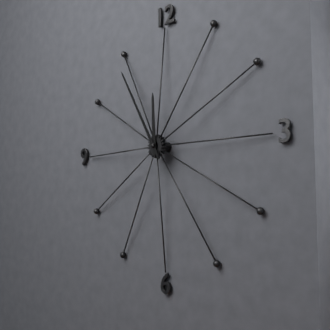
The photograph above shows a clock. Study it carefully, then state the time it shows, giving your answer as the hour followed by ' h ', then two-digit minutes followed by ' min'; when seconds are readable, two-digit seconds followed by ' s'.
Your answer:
11 h 55 min
